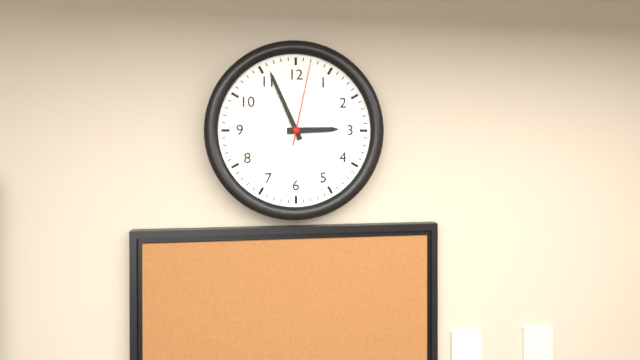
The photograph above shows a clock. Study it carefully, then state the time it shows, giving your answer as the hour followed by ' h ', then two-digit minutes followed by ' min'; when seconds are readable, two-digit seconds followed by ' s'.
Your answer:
2 h 56 min 02 s
